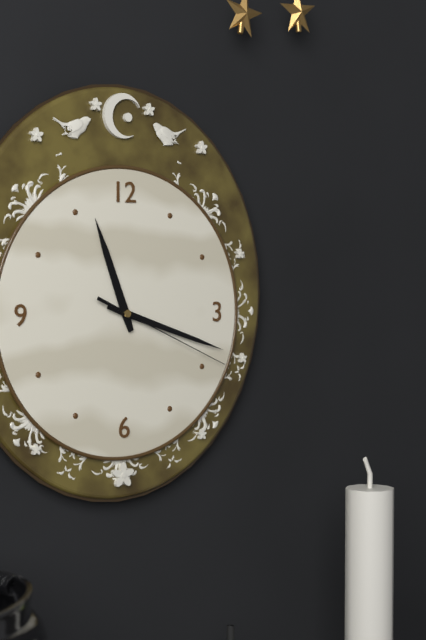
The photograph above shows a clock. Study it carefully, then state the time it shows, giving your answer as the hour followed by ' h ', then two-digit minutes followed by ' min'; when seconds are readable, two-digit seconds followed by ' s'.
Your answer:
11 h 18 min 19 s
